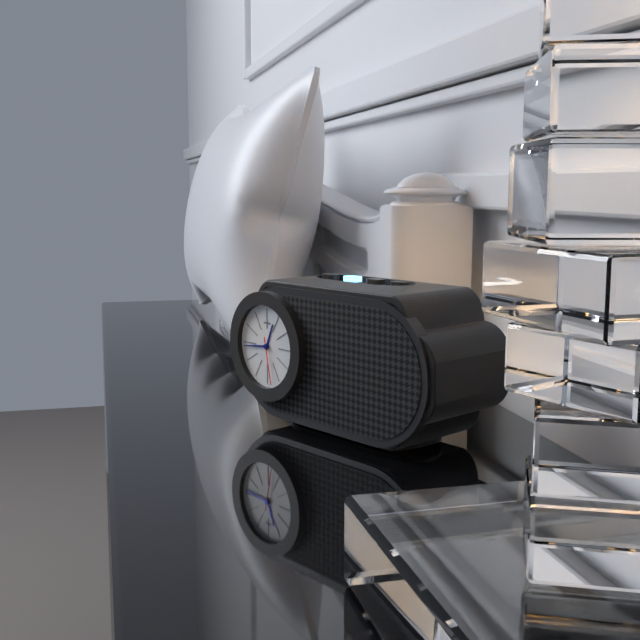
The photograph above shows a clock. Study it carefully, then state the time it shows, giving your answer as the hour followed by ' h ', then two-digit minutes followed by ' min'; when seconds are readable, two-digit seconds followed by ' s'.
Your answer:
12 h 44 min 28 s
